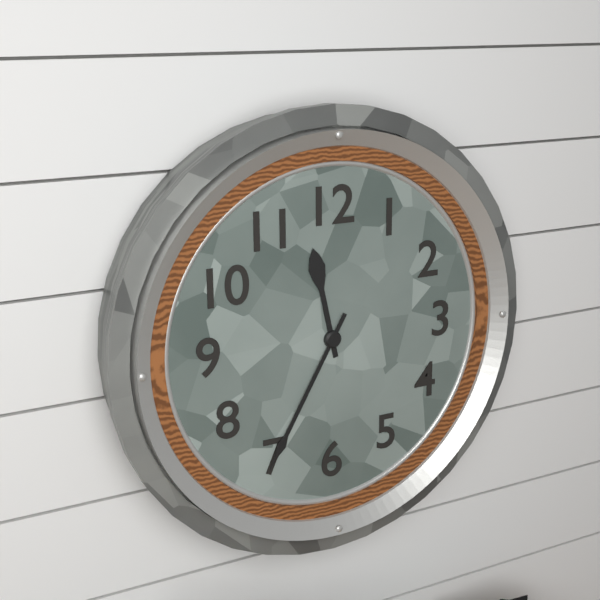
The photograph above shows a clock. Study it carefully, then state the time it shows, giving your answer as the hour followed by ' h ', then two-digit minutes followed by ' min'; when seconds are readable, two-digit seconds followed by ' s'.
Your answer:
11 h 35 min
